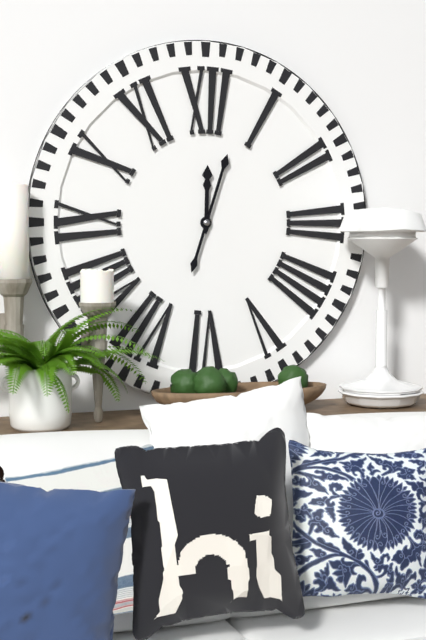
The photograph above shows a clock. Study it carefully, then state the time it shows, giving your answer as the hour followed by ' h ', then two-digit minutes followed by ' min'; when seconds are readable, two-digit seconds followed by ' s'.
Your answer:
12 h 03 min
